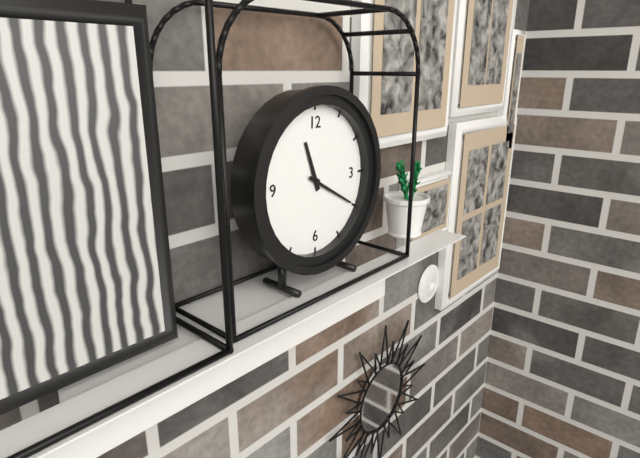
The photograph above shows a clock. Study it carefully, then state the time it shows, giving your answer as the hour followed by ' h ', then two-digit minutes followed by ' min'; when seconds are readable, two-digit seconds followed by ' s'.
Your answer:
11 h 20 min
